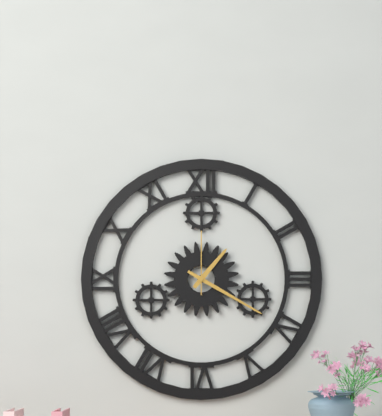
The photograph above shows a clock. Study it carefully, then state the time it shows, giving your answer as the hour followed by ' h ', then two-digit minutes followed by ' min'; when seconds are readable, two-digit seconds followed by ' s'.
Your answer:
1 h 20 min 00 s
